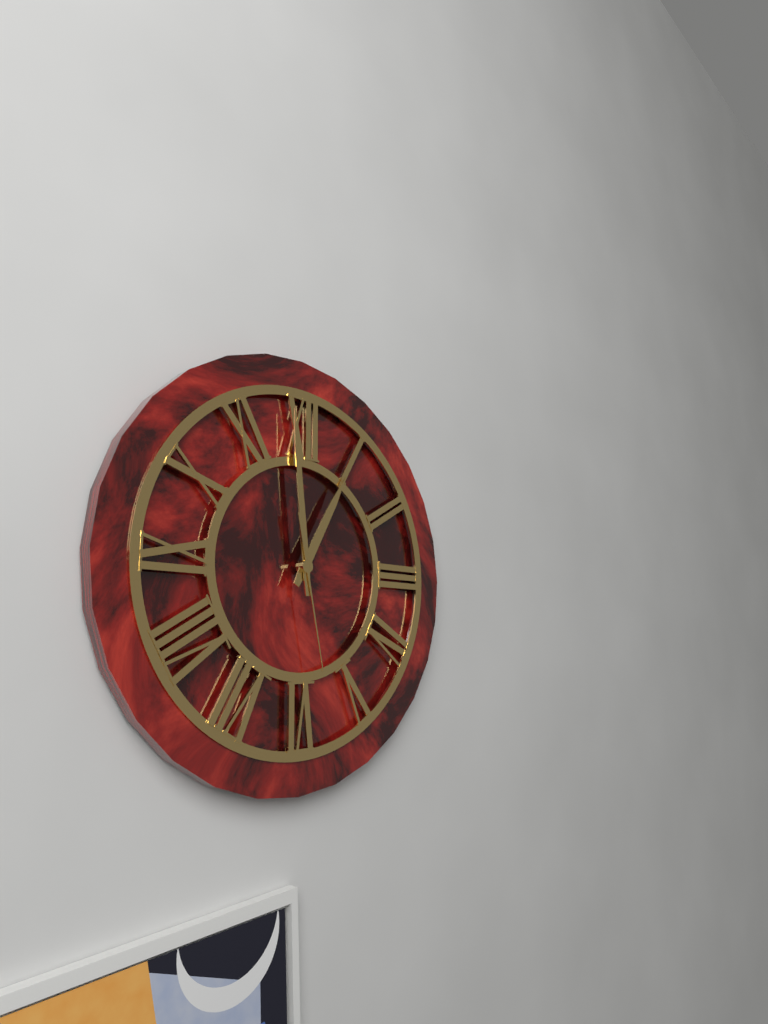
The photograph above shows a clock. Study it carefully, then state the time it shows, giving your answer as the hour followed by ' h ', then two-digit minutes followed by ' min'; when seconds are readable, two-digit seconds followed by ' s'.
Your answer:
12 h 59 min 28 s
